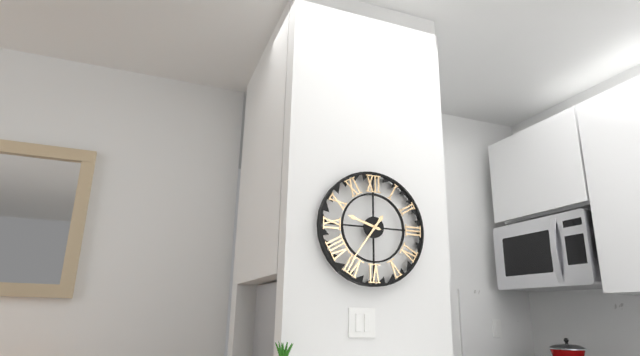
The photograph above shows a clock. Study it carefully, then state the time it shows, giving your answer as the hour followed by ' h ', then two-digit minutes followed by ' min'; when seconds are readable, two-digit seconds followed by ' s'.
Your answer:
9 h 36 min
